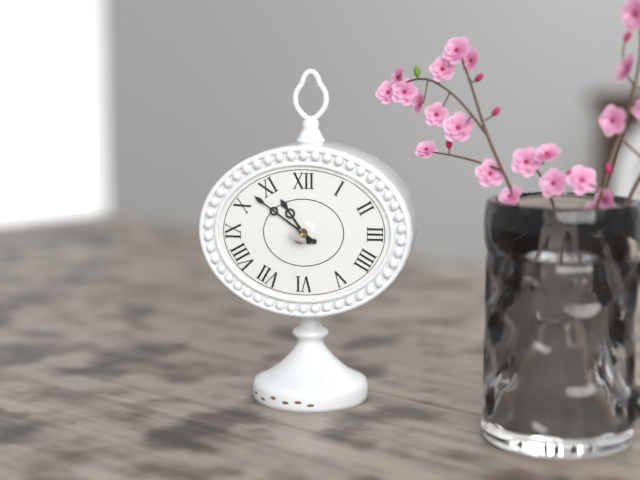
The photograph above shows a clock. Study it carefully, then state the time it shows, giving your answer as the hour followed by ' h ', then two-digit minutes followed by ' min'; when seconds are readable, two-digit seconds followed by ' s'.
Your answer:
10 h 51 min
